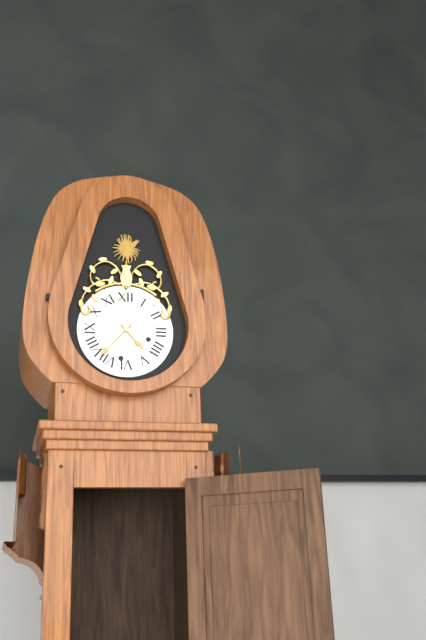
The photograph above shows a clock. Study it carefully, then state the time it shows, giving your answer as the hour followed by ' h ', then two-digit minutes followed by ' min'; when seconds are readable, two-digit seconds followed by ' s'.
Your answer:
4 h 37 min
